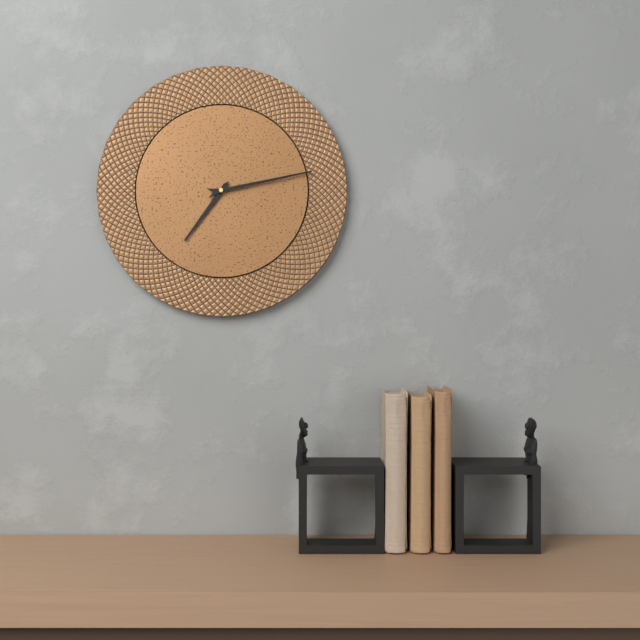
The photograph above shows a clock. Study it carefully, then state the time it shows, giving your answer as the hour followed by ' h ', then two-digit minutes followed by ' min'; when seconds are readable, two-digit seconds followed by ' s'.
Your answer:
7 h 13 min
